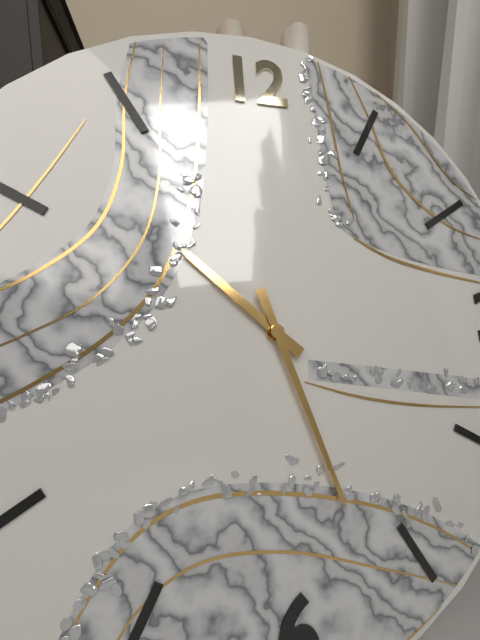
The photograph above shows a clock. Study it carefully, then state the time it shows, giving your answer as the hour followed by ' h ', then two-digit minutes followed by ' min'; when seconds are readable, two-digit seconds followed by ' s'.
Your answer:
10 h 27 min
